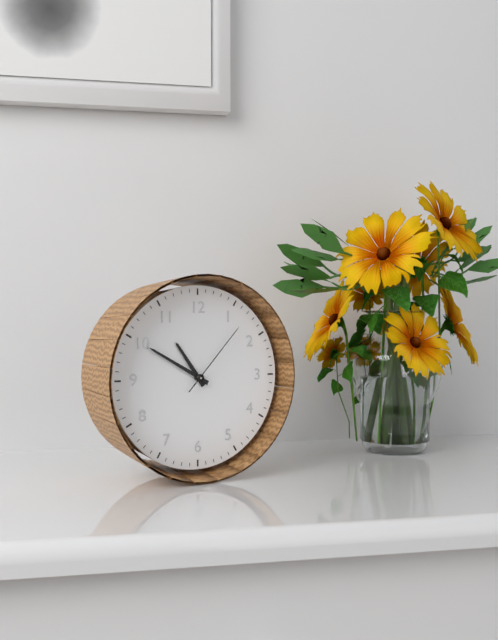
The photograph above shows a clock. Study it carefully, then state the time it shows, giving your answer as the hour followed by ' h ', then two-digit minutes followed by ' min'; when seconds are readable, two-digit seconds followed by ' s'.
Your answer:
10 h 50 min 07 s
